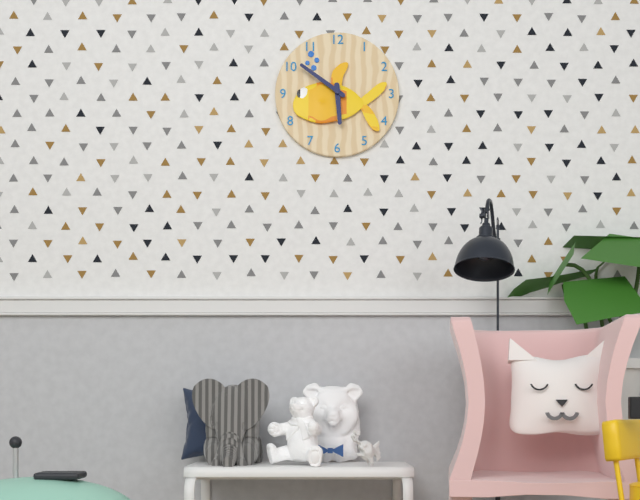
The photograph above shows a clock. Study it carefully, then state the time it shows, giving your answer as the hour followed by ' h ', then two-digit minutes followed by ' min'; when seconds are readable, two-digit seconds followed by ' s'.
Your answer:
5 h 51 min
